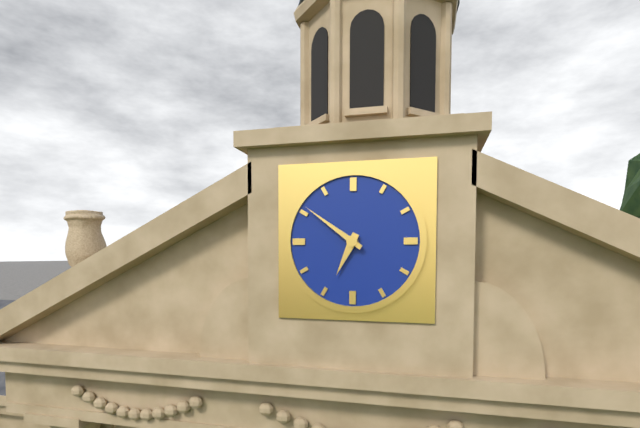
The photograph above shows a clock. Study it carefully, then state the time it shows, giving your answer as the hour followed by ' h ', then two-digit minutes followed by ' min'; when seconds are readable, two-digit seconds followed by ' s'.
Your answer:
6 h 51 min
